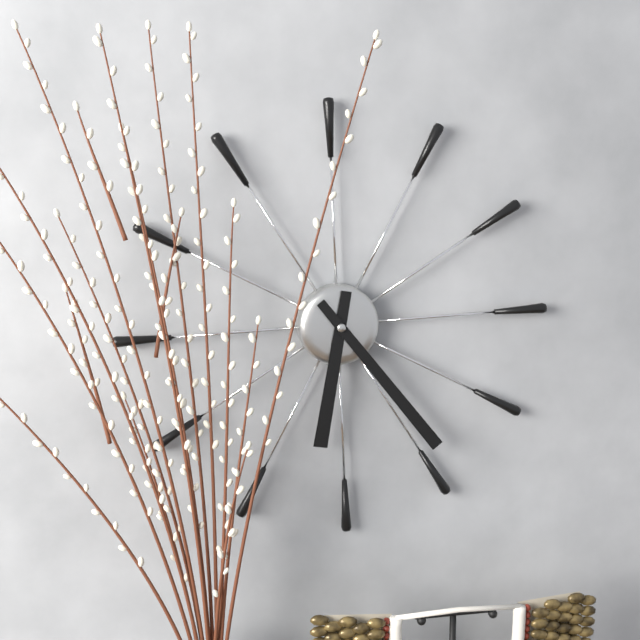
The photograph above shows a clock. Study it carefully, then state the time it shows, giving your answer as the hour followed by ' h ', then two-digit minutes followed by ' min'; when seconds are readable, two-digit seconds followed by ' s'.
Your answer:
6 h 24 min
